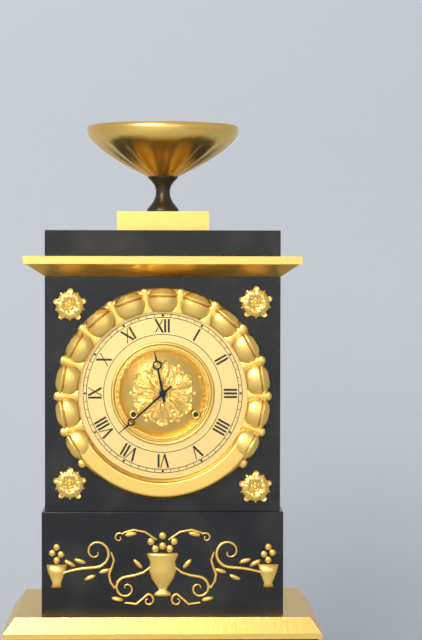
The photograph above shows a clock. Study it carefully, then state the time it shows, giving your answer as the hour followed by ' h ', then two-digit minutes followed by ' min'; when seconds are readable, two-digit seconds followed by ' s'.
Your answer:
11 h 38 min
